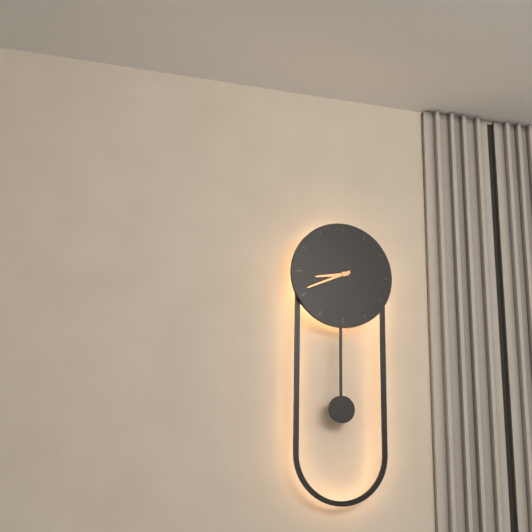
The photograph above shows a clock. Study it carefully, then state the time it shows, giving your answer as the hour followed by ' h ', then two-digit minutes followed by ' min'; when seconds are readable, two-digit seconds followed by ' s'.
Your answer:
8 h 41 min
